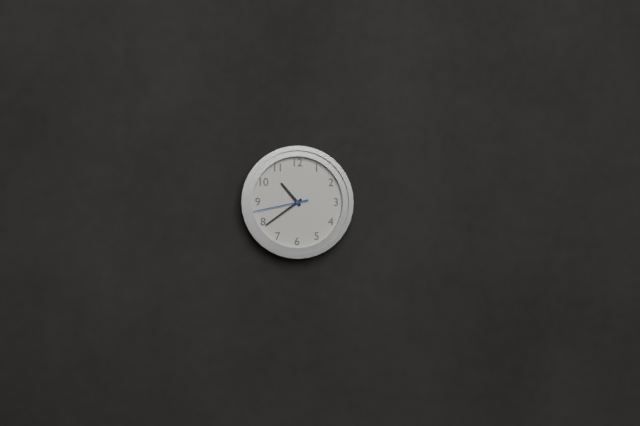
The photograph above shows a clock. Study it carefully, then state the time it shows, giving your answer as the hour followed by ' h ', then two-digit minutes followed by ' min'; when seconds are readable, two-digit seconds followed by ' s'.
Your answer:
10 h 39 min 43 s
